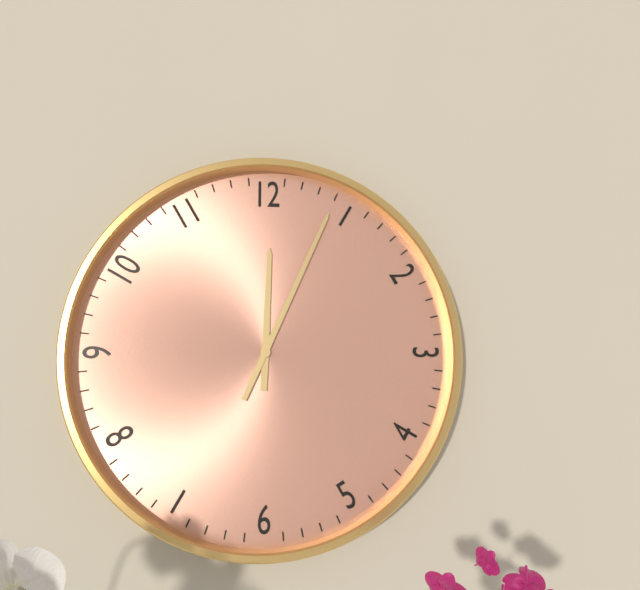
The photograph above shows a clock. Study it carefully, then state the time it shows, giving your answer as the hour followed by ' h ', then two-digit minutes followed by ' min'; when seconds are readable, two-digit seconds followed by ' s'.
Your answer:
12 h 04 min
